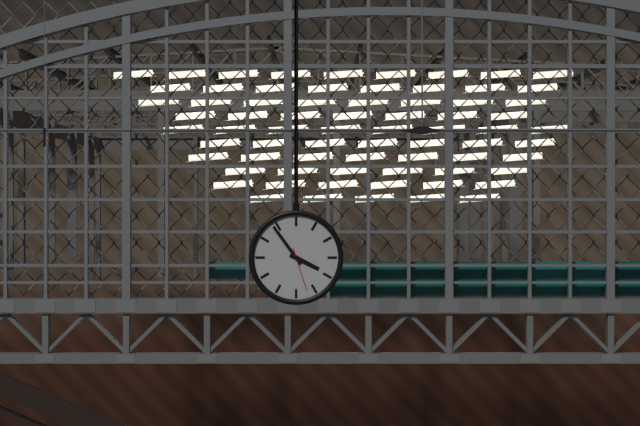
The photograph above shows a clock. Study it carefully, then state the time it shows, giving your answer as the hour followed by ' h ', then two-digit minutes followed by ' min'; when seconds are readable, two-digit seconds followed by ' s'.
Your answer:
3 h 54 min
